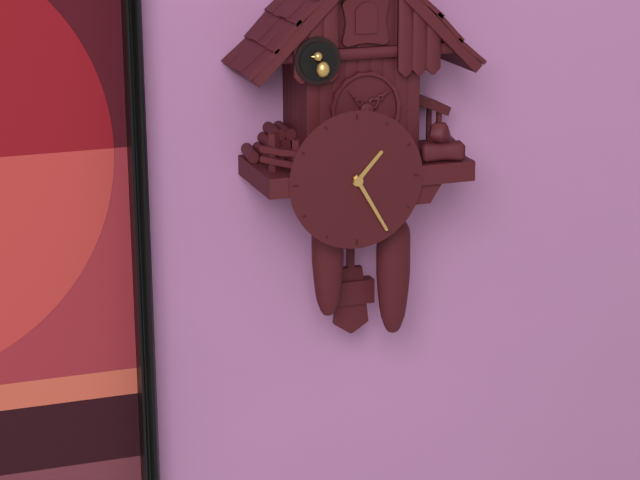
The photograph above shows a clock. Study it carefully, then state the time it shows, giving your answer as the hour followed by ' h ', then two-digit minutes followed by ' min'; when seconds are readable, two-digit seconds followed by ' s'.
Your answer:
1 h 25 min
